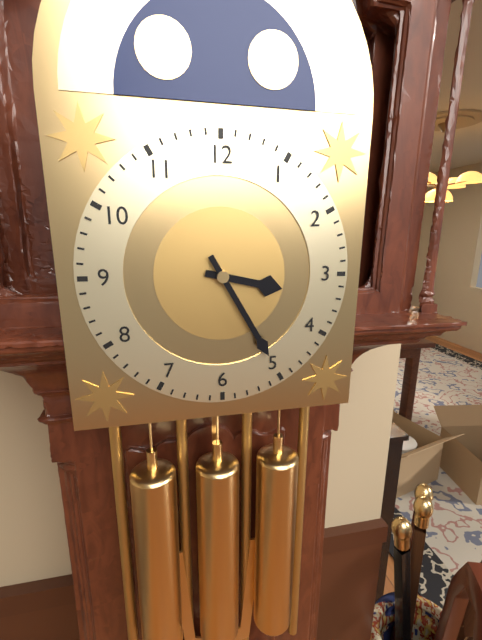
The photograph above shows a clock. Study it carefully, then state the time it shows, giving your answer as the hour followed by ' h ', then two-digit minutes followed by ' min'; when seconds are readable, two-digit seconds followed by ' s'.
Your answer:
3 h 25 min
